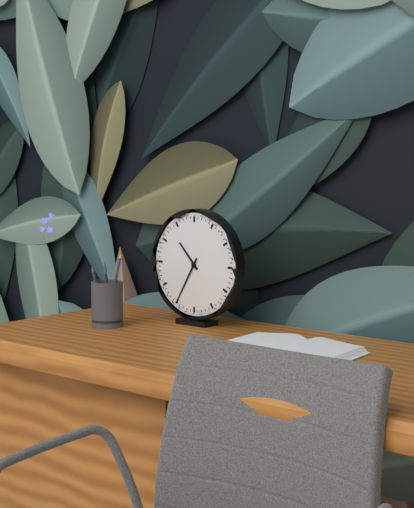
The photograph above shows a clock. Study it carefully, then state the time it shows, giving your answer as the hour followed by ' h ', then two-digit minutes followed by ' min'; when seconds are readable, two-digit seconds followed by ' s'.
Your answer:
10 h 35 min
